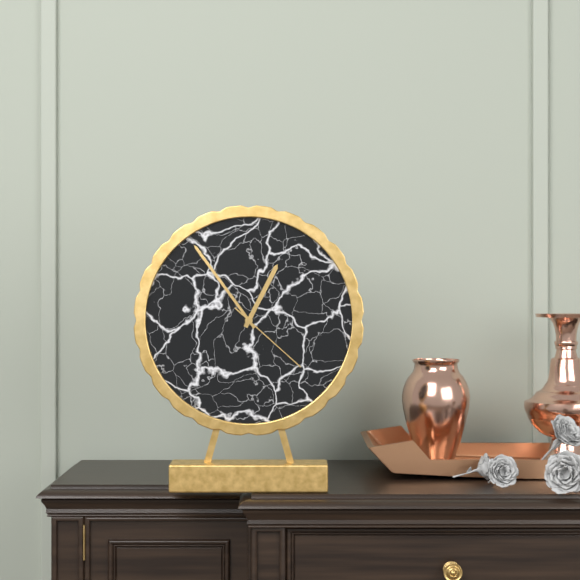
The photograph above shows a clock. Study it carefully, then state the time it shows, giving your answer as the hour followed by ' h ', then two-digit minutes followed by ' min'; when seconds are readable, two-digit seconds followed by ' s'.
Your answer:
12 h 54 min 22 s
